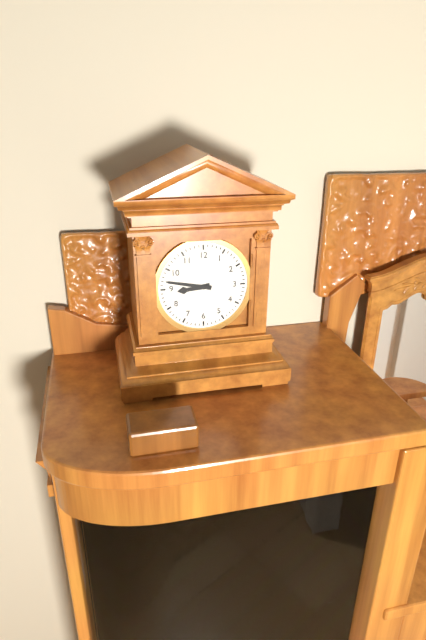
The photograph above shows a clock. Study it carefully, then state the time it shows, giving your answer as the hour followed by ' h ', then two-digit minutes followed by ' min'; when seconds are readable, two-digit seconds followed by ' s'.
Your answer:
8 h 47 min
